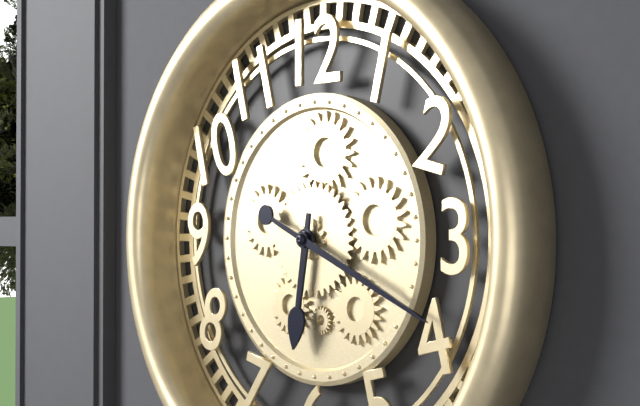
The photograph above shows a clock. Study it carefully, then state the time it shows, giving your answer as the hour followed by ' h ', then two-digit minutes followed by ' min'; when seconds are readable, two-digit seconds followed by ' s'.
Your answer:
6 h 19 min
